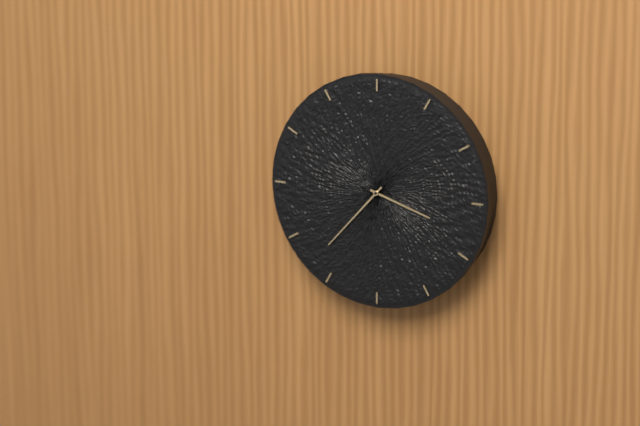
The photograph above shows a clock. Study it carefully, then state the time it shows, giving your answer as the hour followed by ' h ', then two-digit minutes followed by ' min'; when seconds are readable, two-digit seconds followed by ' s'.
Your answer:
3 h 37 min
